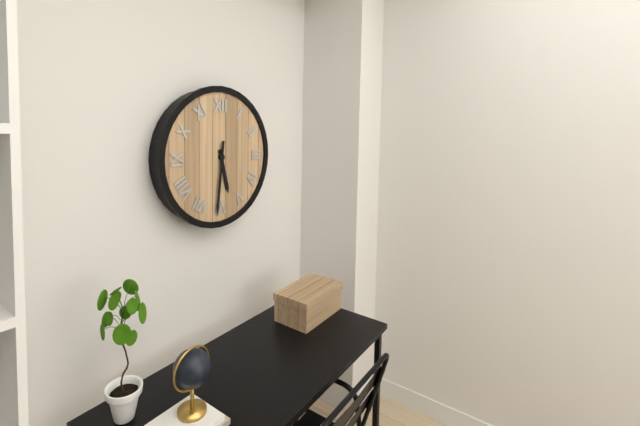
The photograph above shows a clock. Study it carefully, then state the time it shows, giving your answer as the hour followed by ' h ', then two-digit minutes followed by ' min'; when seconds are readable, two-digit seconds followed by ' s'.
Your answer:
5 h 31 min
